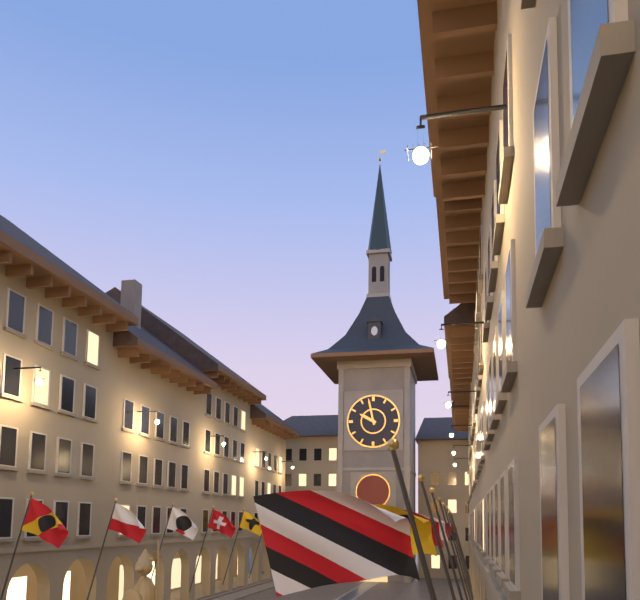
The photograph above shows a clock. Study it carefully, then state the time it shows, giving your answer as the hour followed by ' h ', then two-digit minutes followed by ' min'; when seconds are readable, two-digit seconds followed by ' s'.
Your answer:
9 h 58 min
